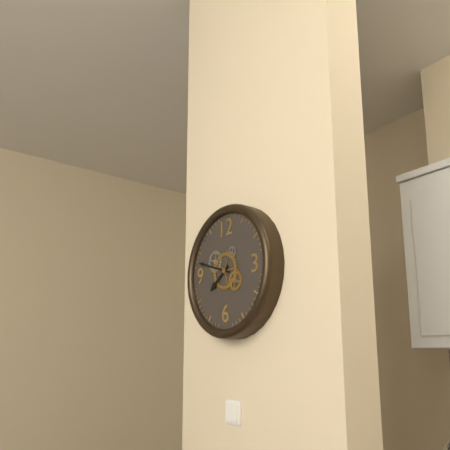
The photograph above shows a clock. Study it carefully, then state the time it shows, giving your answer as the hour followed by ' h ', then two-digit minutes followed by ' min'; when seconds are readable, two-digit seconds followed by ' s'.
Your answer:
7 h 48 min
